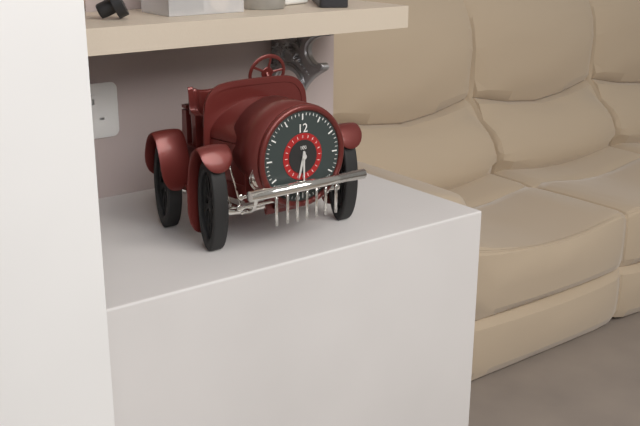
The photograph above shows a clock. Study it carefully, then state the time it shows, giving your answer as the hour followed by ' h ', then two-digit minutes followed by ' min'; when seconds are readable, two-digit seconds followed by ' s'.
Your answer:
6 h 30 min
